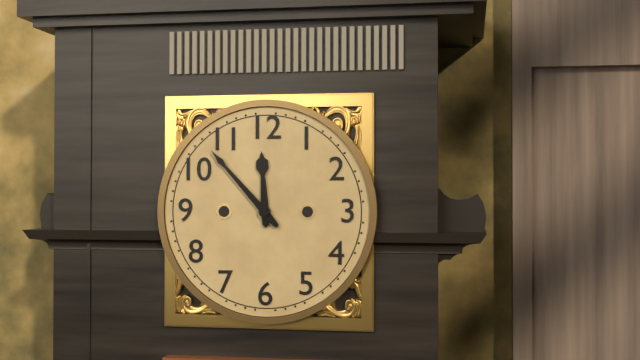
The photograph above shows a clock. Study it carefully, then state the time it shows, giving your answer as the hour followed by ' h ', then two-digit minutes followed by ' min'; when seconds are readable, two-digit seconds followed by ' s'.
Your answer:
11 h 53 min
